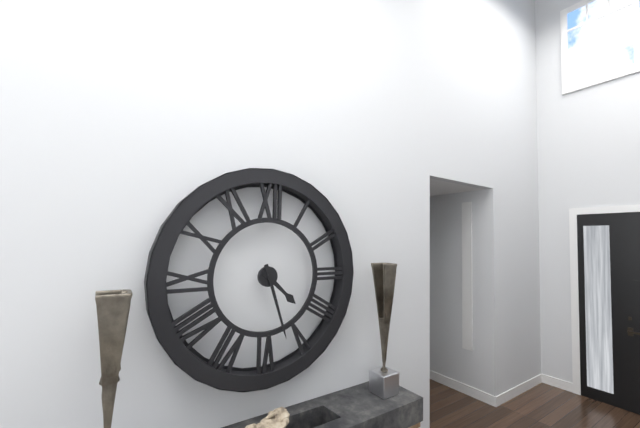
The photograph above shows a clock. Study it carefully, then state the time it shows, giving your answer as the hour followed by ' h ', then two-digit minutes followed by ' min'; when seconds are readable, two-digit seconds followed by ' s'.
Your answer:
4 h 27 min
